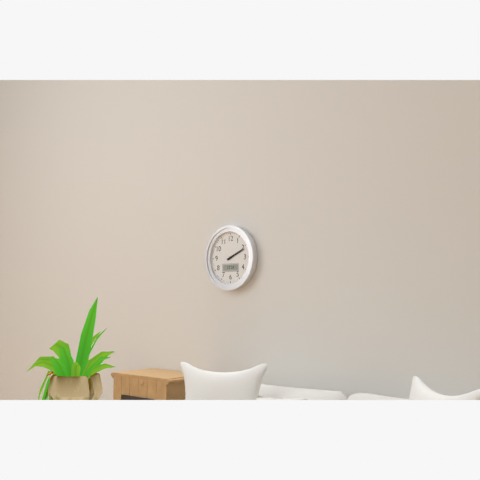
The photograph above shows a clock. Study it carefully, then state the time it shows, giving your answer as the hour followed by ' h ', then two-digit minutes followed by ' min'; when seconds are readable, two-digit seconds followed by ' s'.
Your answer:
2 h 11 min
